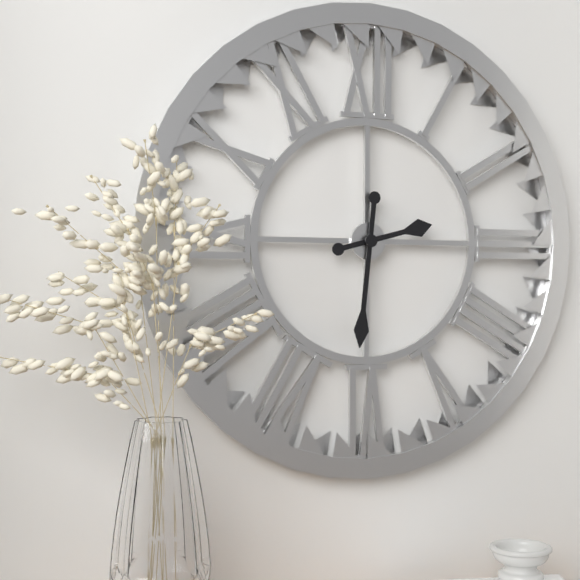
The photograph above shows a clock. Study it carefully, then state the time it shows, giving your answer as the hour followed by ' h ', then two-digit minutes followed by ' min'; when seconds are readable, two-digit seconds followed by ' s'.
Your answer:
2 h 31 min
